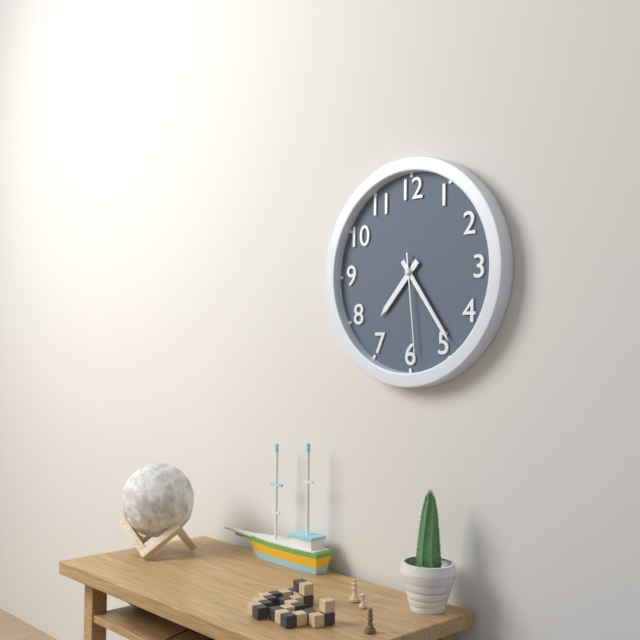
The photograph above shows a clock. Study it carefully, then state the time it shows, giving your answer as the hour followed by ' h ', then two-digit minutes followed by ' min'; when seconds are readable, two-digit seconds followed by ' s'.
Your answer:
7 h 24 min 29 s
